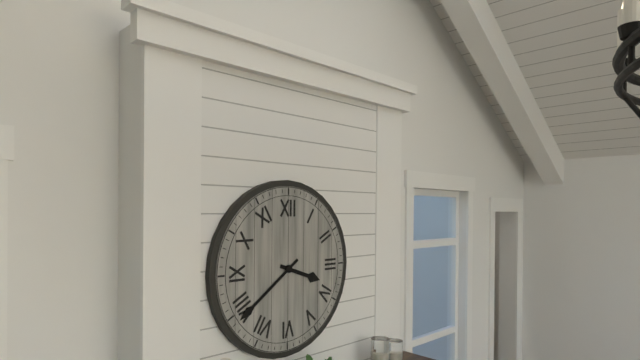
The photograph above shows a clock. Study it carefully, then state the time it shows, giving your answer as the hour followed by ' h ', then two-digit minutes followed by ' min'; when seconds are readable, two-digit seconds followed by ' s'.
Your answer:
3 h 39 min
